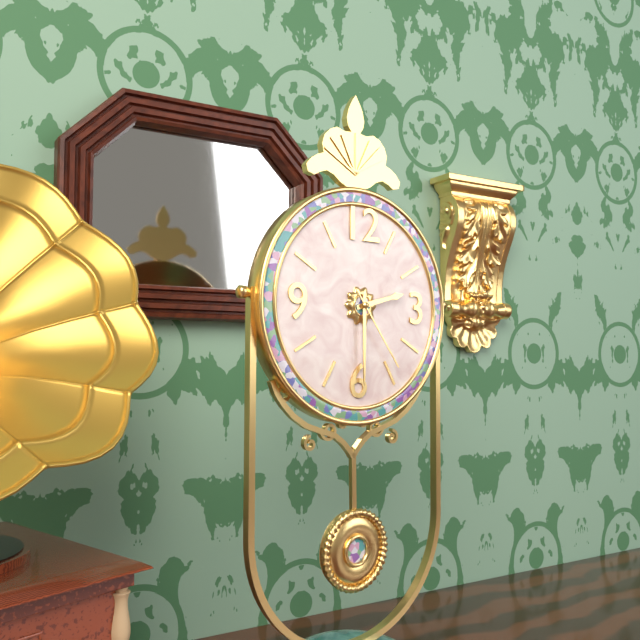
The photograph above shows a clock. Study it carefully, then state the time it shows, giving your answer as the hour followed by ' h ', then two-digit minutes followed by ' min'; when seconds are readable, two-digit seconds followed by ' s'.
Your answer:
2 h 30 min 24 s
